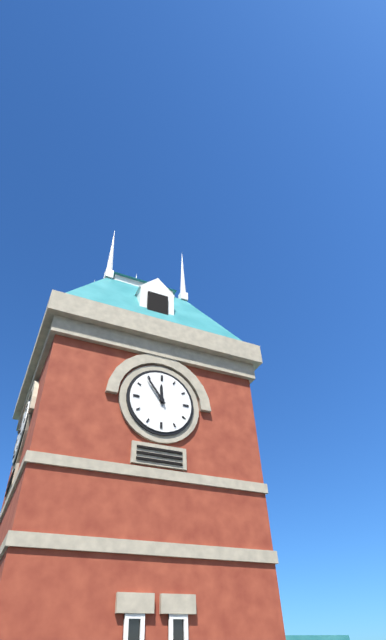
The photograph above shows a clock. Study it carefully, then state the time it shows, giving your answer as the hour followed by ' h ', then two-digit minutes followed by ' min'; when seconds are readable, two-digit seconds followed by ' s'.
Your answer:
11 h 54 min
